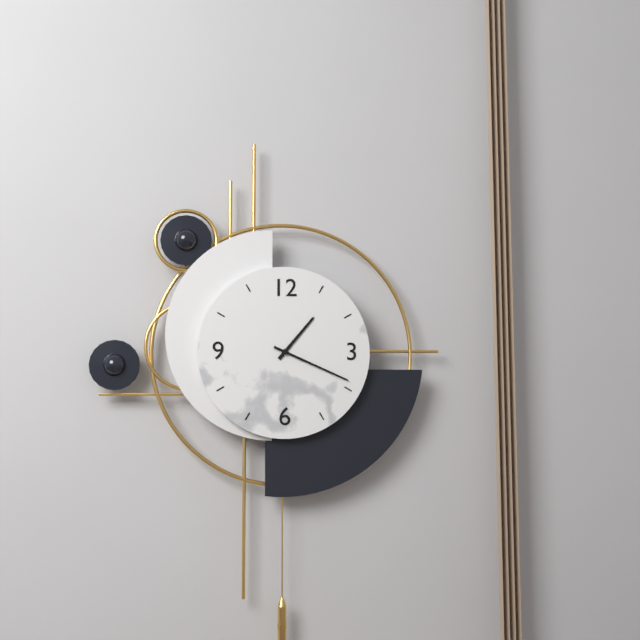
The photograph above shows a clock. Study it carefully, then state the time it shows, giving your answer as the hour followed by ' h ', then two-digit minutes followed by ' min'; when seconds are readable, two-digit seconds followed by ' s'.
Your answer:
1 h 19 min
